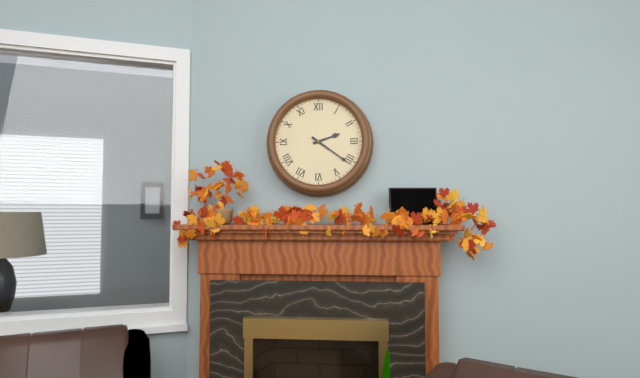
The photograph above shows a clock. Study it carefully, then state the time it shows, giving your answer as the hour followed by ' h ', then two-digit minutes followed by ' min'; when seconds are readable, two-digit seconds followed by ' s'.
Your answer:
2 h 21 min
